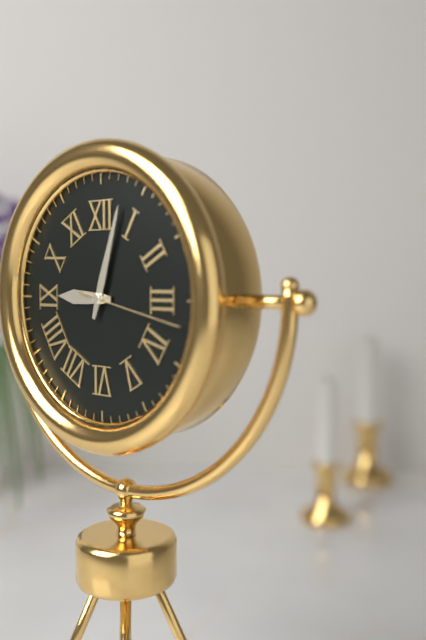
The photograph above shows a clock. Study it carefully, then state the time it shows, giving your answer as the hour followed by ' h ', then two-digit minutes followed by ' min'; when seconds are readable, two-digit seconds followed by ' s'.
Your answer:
9 h 03 min 17 s
